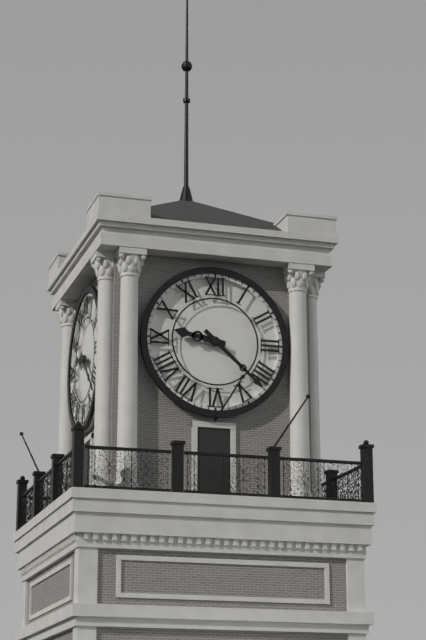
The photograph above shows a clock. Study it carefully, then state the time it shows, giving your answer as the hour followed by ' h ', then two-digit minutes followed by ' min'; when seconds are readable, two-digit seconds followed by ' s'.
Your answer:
9 h 22 min
